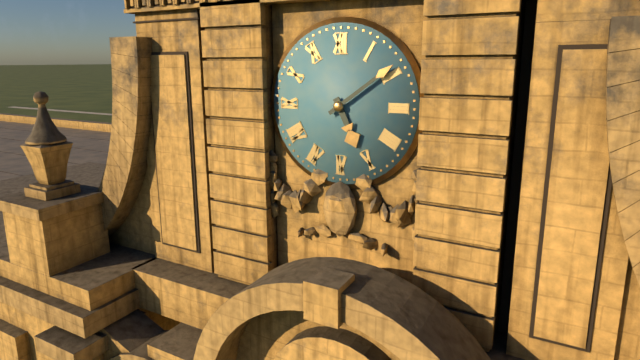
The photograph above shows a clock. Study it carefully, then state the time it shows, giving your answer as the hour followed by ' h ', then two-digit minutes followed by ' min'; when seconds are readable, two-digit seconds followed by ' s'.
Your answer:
5 h 09 min
